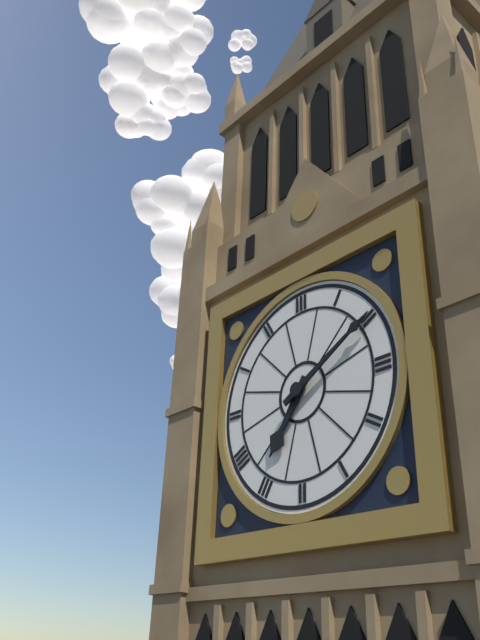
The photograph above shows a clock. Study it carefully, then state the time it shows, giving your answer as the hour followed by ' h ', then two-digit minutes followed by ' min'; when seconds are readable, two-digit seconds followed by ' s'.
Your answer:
7 h 10 min
